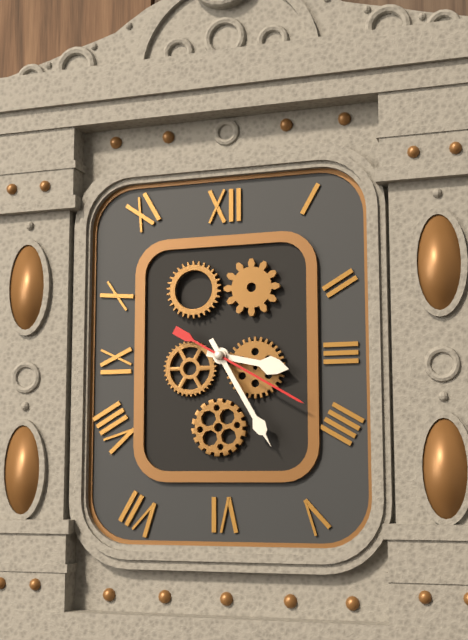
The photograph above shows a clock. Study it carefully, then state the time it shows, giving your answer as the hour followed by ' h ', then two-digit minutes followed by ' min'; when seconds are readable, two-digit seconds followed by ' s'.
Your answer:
3 h 25 min 20 s
